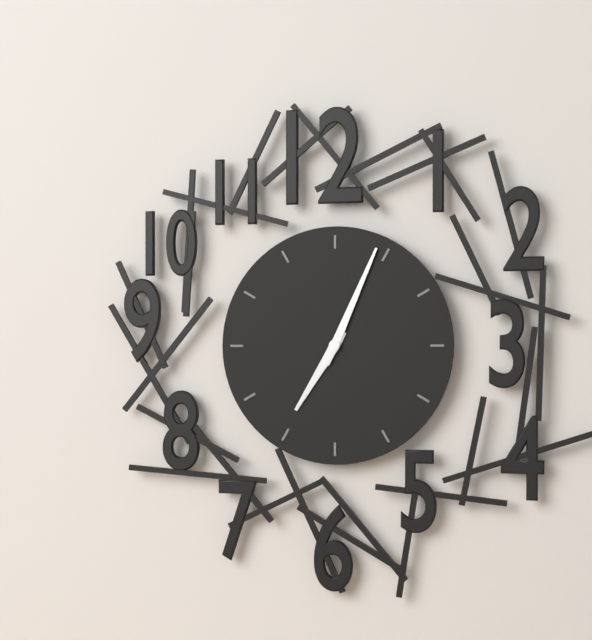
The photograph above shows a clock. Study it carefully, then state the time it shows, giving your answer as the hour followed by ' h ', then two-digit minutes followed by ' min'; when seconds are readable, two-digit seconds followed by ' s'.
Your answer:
7 h 04 min
